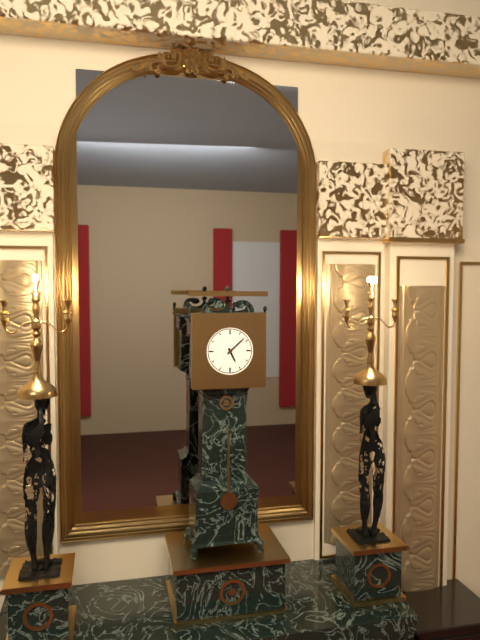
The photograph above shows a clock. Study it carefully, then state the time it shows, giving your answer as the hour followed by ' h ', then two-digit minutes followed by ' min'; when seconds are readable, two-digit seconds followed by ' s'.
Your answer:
5 h 08 min
